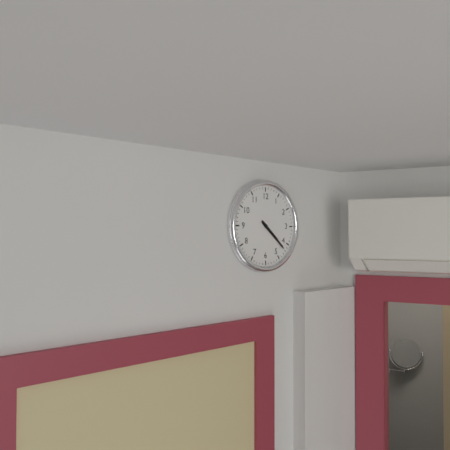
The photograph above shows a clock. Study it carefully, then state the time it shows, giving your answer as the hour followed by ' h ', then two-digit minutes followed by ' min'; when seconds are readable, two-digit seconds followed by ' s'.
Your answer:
4 h 22 min
